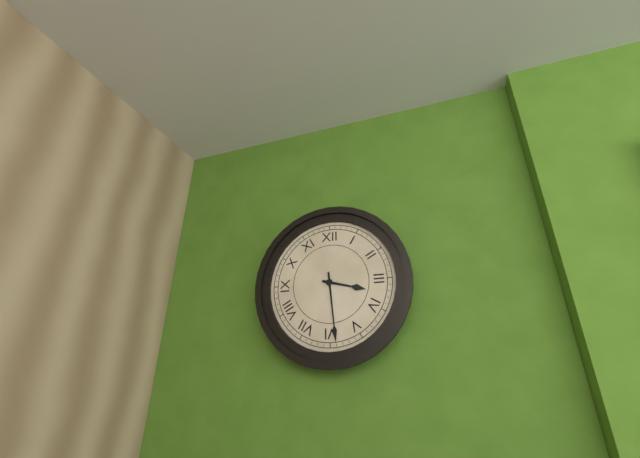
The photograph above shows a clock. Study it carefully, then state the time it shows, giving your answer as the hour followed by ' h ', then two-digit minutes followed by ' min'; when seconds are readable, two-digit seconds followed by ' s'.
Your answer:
3 h 29 min
